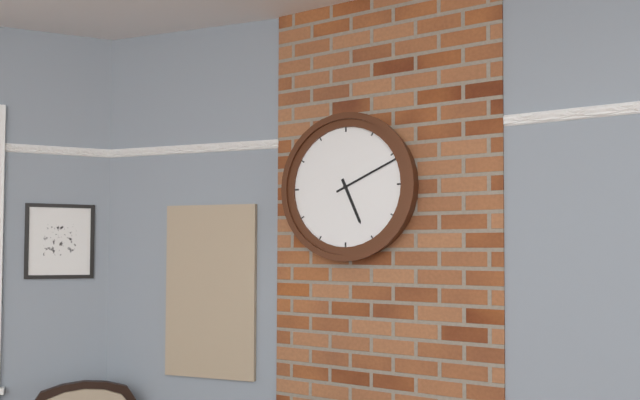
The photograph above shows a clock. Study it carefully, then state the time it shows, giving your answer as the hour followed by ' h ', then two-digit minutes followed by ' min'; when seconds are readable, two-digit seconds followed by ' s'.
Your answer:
5 h 11 min
